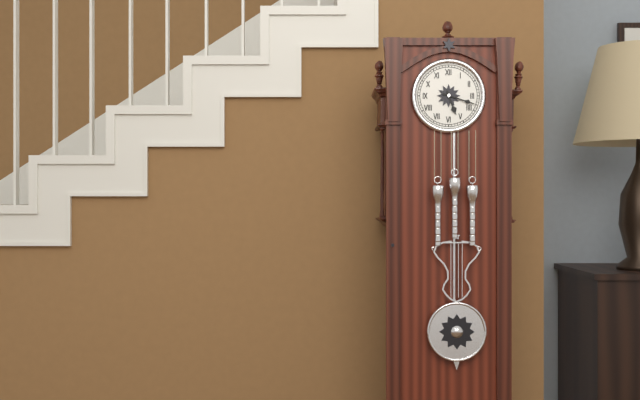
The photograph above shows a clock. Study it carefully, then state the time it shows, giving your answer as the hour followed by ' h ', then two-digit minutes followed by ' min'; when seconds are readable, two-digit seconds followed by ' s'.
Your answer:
5 h 18 min
